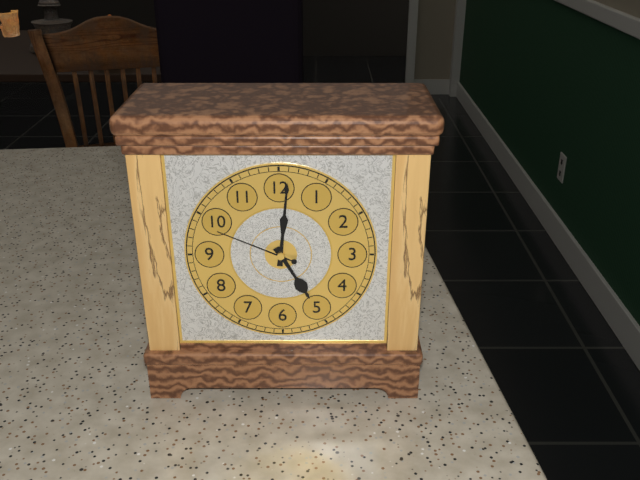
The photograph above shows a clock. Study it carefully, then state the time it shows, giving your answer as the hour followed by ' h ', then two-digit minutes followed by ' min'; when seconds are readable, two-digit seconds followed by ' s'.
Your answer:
5 h 01 min 49 s
